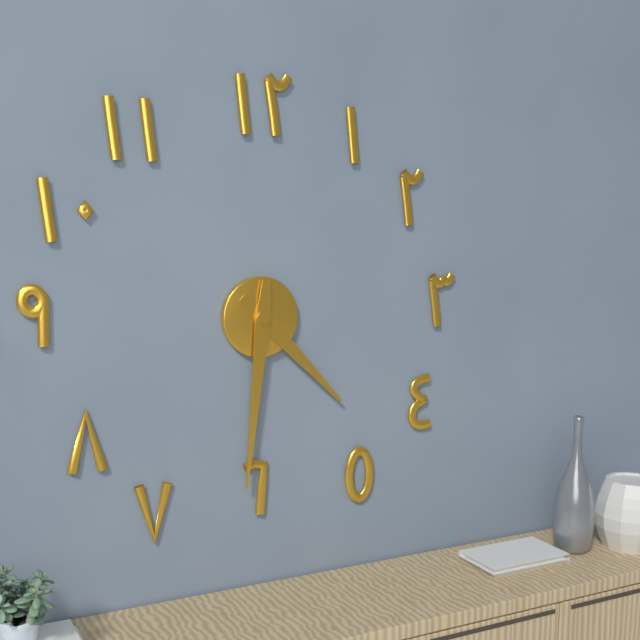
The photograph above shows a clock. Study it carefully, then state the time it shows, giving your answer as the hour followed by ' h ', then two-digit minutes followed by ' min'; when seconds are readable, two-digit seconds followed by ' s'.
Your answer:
4 h 31 min
